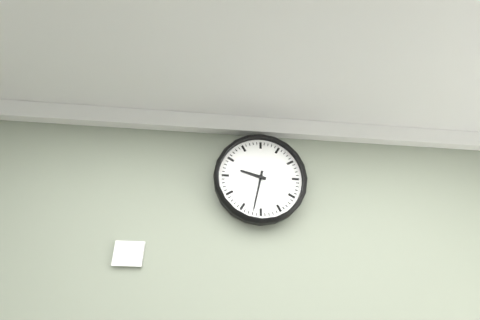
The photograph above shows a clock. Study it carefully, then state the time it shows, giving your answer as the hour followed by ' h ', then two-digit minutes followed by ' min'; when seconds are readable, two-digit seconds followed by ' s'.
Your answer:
9 h 32 min
